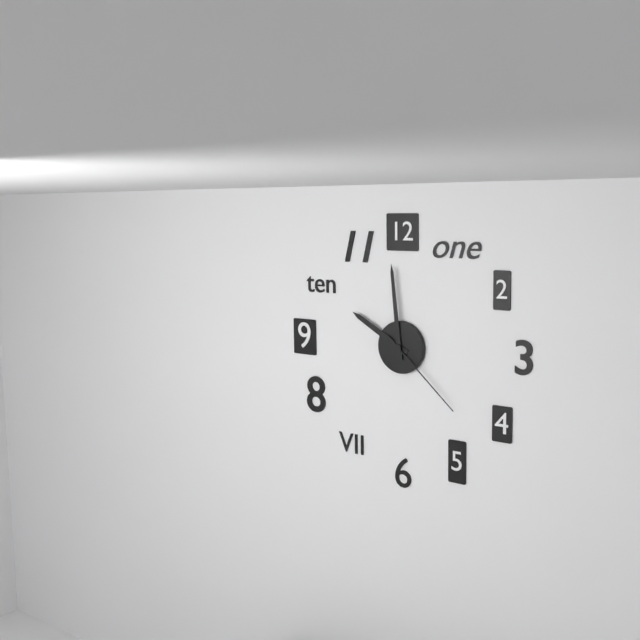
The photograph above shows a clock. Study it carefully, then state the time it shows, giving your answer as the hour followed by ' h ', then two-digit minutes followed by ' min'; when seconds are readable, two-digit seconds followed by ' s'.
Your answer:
9 h 59 min 22 s
